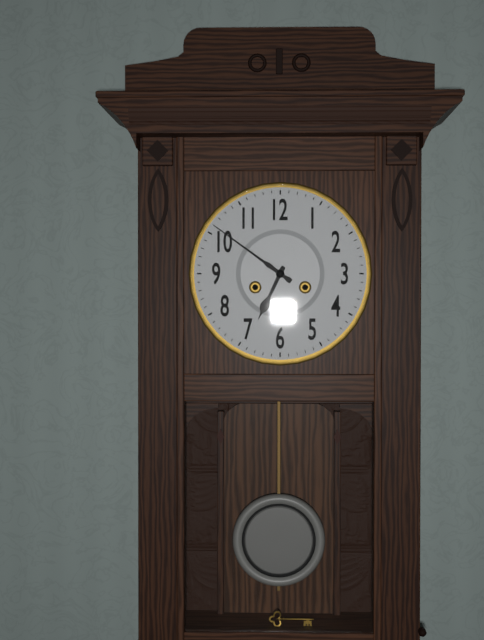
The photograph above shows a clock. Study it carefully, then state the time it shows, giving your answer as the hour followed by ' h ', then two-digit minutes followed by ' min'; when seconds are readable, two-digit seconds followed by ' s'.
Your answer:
6 h 51 min
